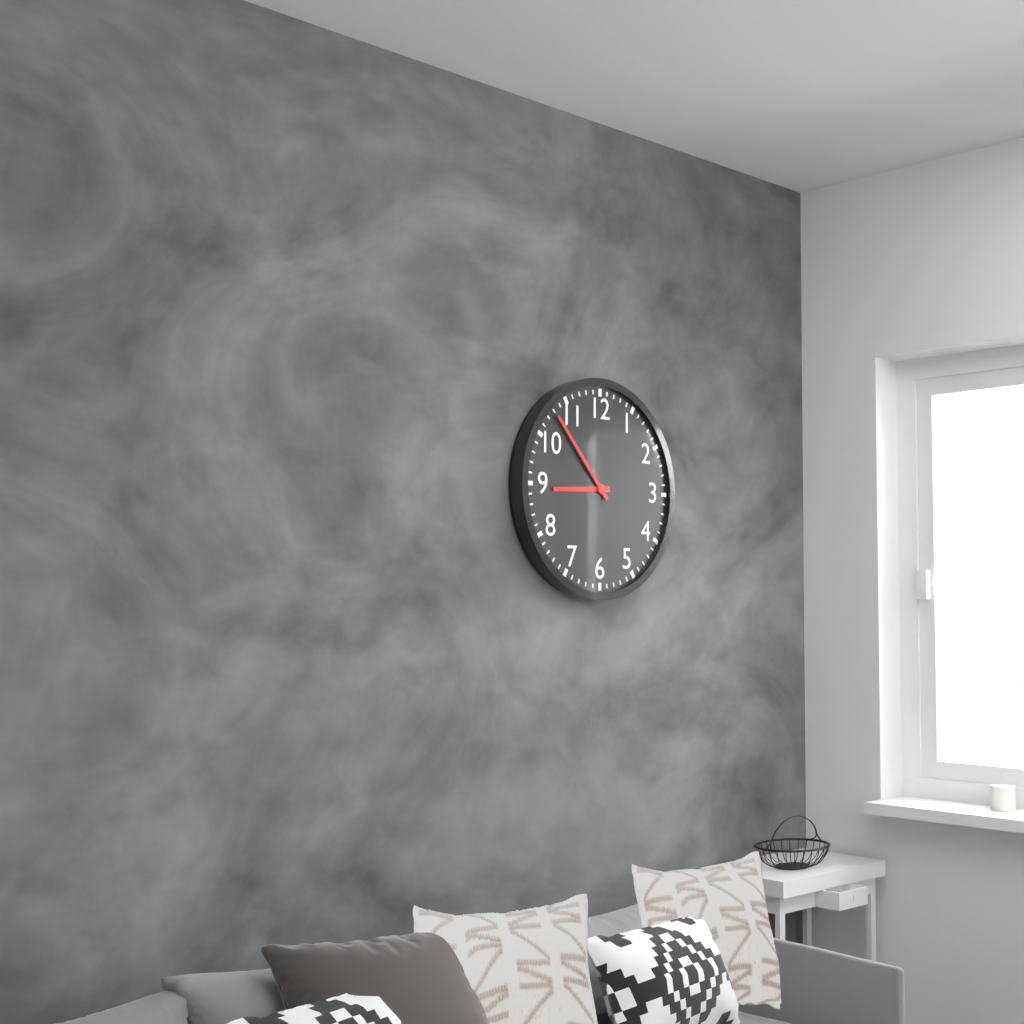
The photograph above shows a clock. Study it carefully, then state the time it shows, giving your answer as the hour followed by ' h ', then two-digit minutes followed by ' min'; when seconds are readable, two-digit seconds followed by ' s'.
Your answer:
8 h 53 min
